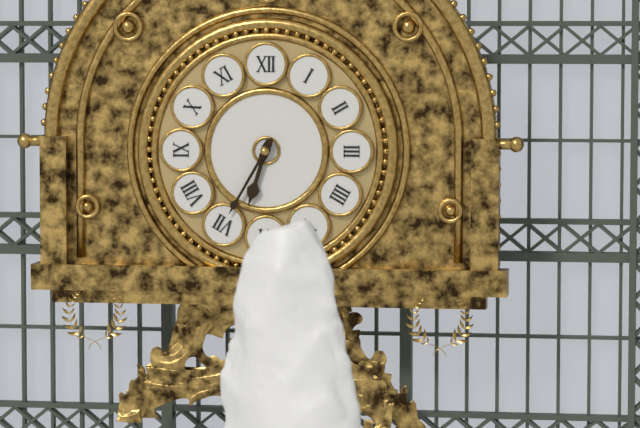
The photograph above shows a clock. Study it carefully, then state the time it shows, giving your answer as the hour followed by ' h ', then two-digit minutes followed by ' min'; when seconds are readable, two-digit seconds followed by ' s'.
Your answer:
6 h 35 min
